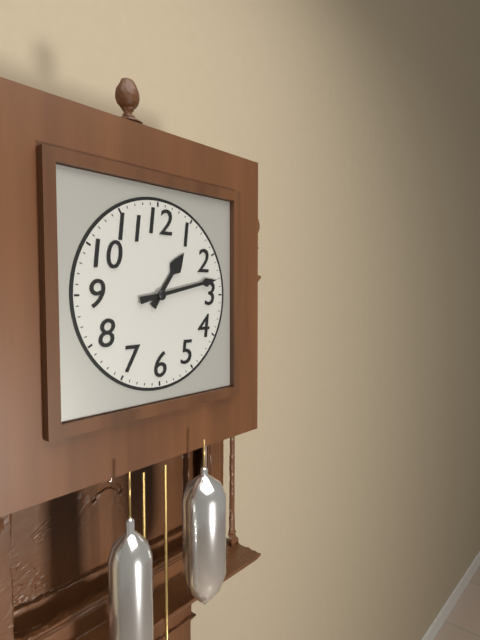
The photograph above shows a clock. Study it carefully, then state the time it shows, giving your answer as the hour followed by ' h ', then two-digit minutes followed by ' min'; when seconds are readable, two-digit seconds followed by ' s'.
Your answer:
1 h 13 min
